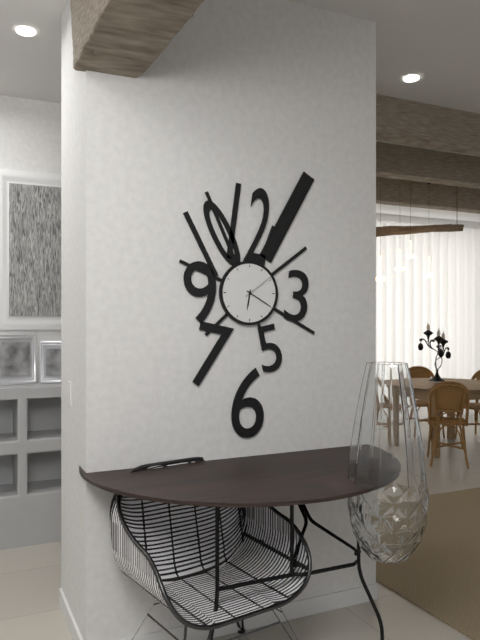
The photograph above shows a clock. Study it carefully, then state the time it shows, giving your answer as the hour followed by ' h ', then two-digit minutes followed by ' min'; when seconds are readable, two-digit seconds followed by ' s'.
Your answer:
6 h 20 min
